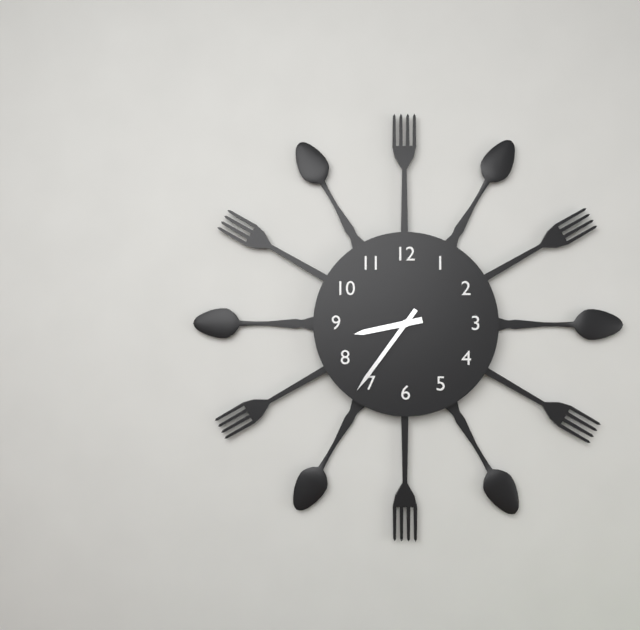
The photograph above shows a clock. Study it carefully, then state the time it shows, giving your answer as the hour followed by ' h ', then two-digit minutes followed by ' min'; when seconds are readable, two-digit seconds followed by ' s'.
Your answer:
8 h 36 min
